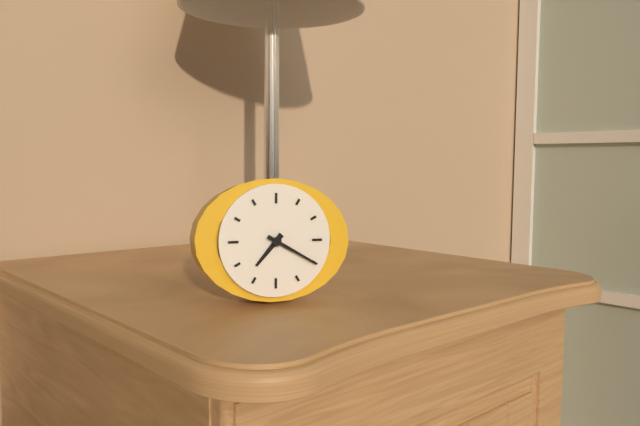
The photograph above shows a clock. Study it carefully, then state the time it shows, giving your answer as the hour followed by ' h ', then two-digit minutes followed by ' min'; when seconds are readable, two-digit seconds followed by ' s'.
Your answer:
7 h 20 min
